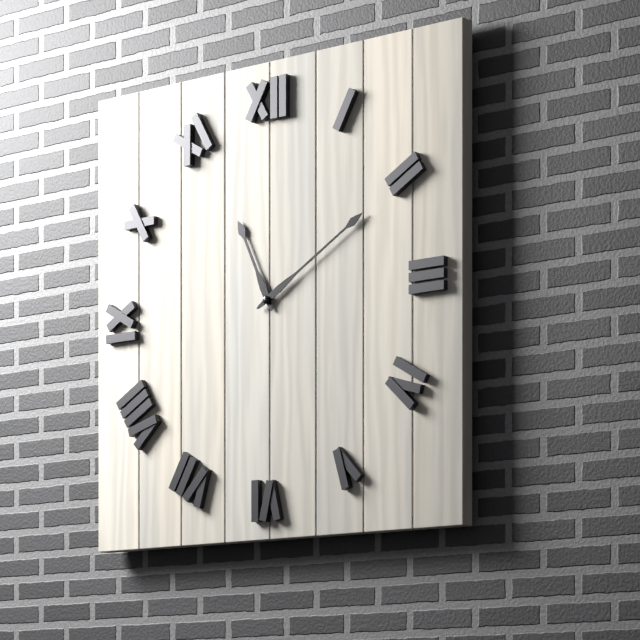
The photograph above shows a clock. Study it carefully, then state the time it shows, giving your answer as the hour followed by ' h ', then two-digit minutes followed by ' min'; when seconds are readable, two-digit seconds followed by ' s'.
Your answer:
11 h 10 min
